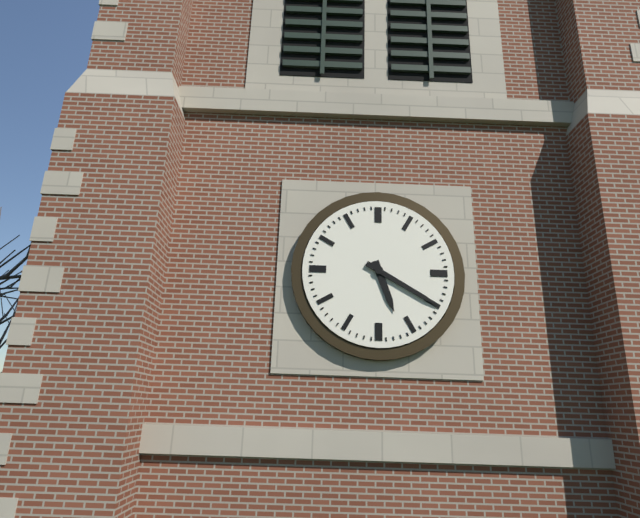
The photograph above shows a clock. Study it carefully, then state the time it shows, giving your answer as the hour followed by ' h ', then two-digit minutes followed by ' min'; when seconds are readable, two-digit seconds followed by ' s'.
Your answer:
5 h 20 min
